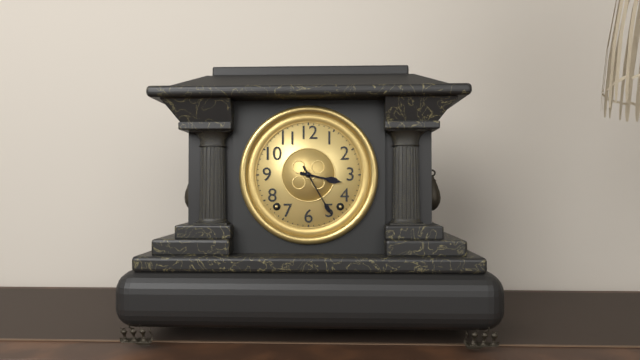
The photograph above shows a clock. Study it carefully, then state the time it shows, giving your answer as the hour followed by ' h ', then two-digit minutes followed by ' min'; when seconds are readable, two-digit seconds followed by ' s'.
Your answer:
3 h 25 min
